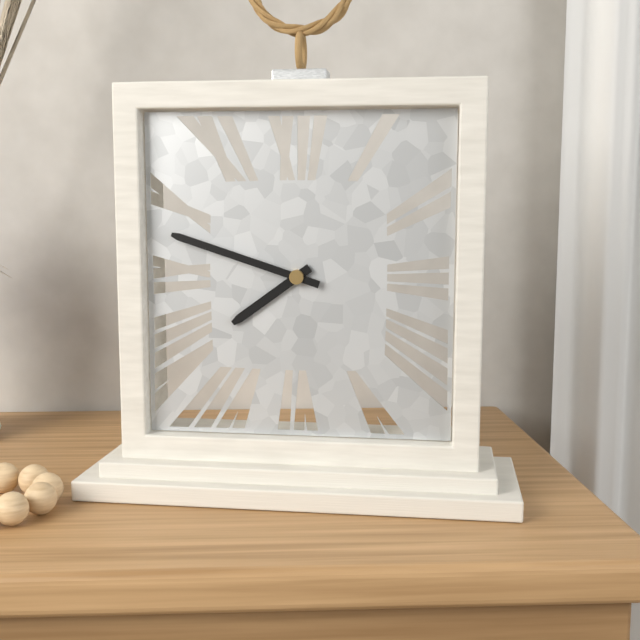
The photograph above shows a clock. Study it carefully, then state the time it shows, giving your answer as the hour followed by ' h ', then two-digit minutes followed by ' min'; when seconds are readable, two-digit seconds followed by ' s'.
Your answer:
7 h 48 min
